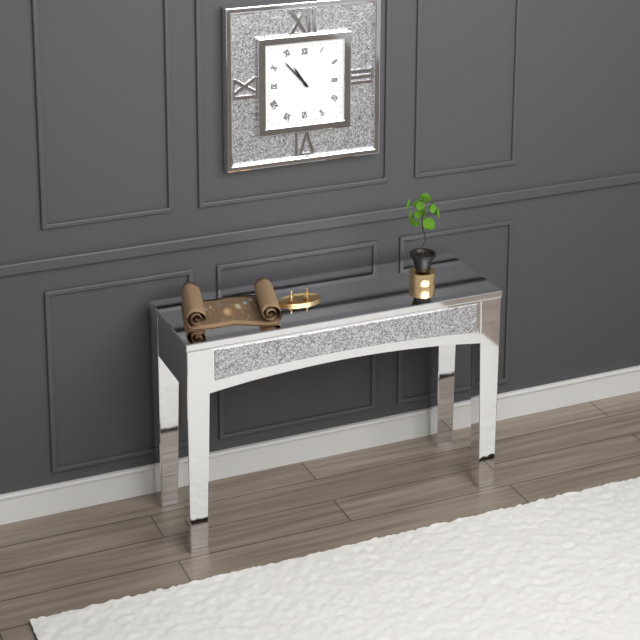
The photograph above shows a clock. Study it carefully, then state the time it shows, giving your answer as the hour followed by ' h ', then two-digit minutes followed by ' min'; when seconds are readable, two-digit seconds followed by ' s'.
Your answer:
10 h 53 min
